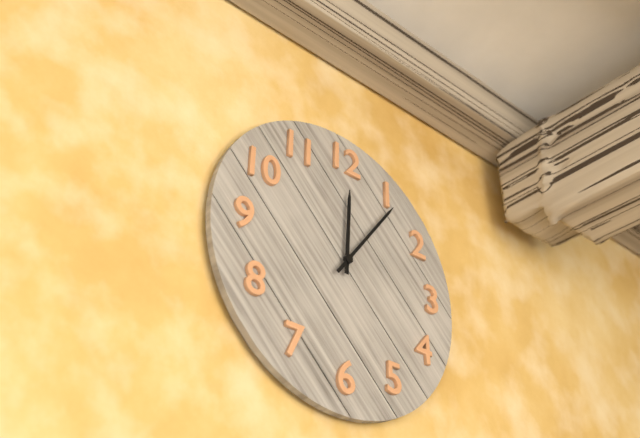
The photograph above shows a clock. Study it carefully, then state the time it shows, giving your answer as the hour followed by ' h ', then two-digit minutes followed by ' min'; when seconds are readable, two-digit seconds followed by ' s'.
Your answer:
12 h 06 min
